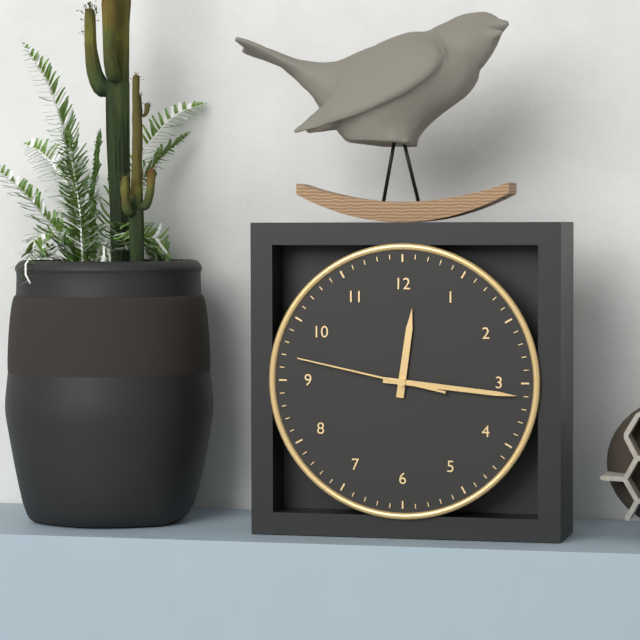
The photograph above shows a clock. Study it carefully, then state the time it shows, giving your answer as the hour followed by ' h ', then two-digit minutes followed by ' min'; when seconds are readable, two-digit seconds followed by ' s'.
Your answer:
12 h 16 min 47 s
